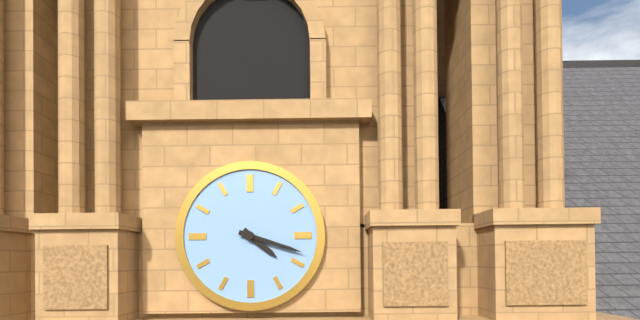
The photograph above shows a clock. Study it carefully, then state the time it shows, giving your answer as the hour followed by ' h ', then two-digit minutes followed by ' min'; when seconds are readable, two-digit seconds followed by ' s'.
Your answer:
4 h 18 min
